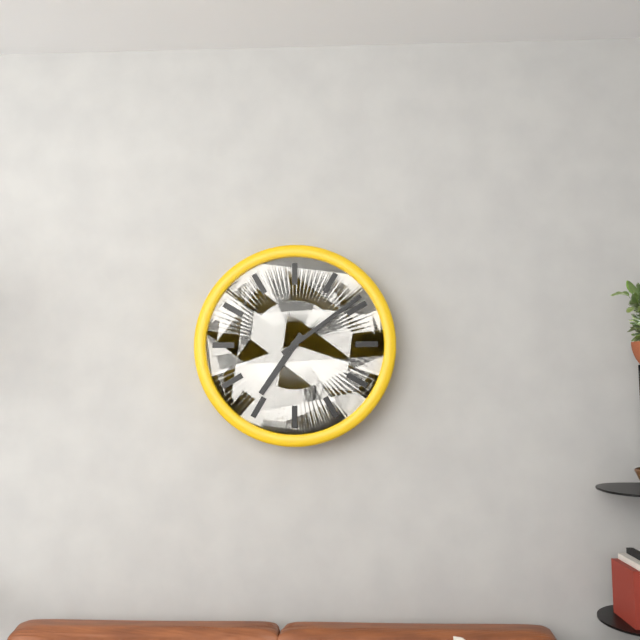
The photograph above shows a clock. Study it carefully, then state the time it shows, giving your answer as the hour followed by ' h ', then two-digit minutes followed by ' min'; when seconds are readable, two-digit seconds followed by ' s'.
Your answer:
7 h 09 min
